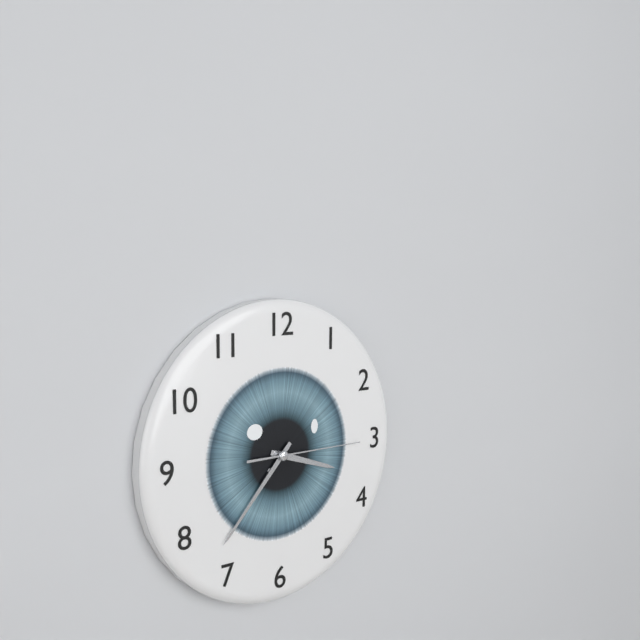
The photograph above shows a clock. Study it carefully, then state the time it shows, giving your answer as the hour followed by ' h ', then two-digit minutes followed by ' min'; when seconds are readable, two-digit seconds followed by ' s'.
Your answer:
3 h 37 min 15 s
